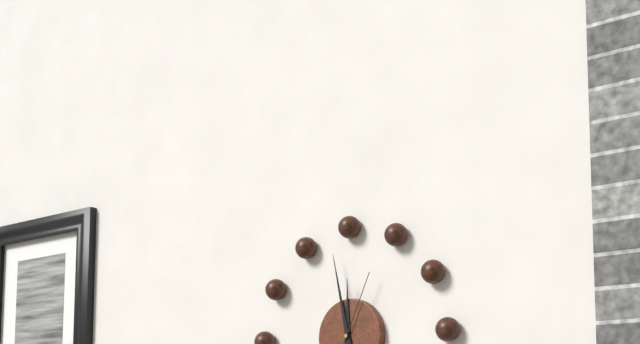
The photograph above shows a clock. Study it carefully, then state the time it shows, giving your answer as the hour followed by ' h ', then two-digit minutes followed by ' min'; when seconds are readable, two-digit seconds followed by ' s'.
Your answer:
11 h 58 min 04 s
